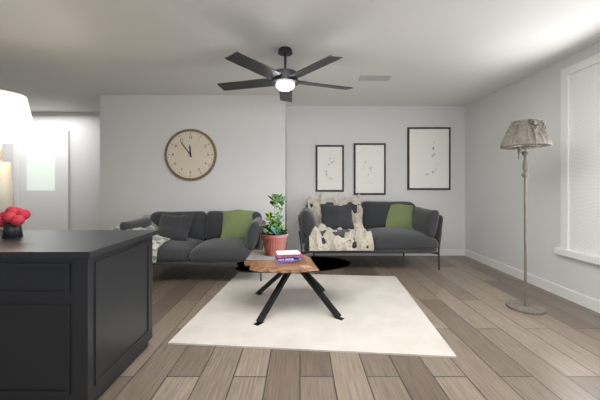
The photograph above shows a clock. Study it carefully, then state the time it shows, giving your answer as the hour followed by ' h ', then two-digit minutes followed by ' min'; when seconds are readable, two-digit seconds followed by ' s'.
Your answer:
11 h 54 min
